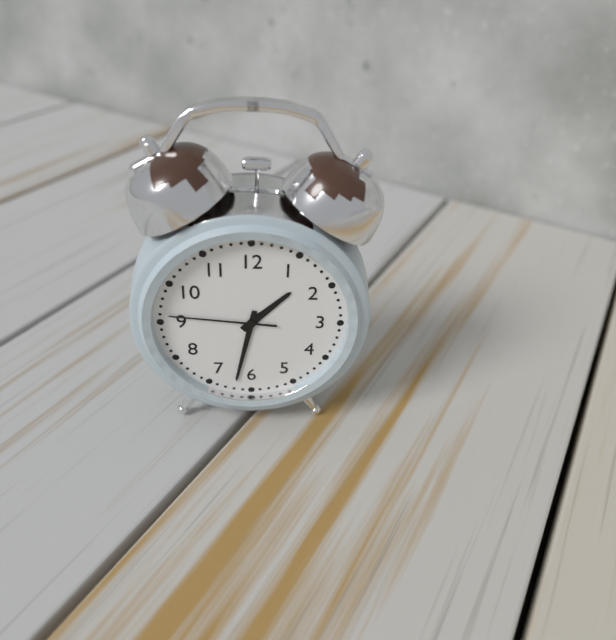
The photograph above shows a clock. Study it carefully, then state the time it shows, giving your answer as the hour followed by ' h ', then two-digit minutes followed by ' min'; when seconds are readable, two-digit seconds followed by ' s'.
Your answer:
1 h 32 min 46 s
